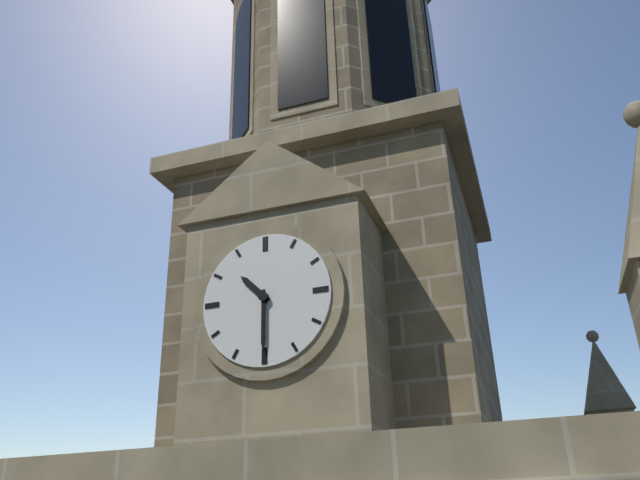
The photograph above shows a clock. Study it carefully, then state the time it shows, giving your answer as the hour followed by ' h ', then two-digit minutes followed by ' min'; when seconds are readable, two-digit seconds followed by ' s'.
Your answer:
10 h 30 min
